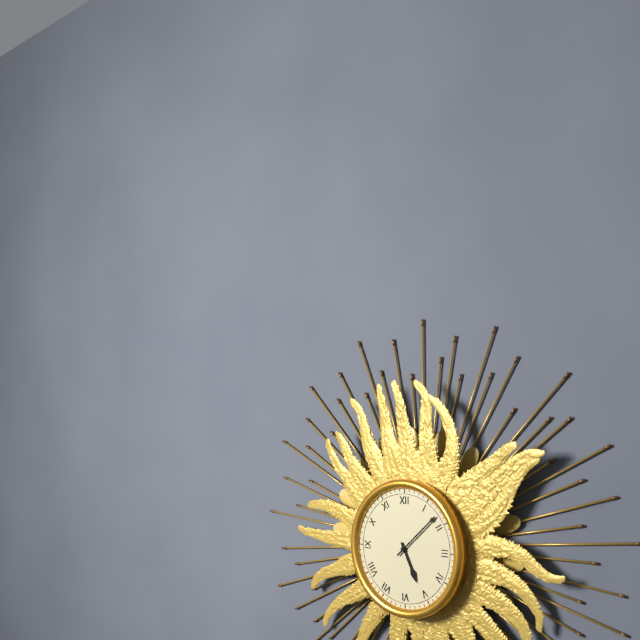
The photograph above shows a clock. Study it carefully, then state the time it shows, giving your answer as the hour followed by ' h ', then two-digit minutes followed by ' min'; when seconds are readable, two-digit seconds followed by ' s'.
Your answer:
5 h 08 min
